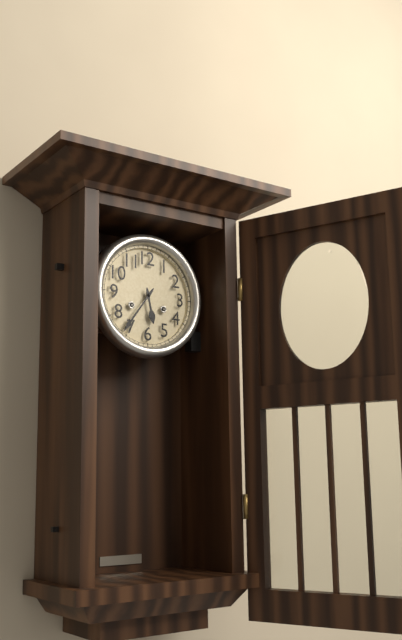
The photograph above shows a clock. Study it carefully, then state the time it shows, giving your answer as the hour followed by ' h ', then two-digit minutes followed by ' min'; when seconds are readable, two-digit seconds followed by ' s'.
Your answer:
5 h 36 min
